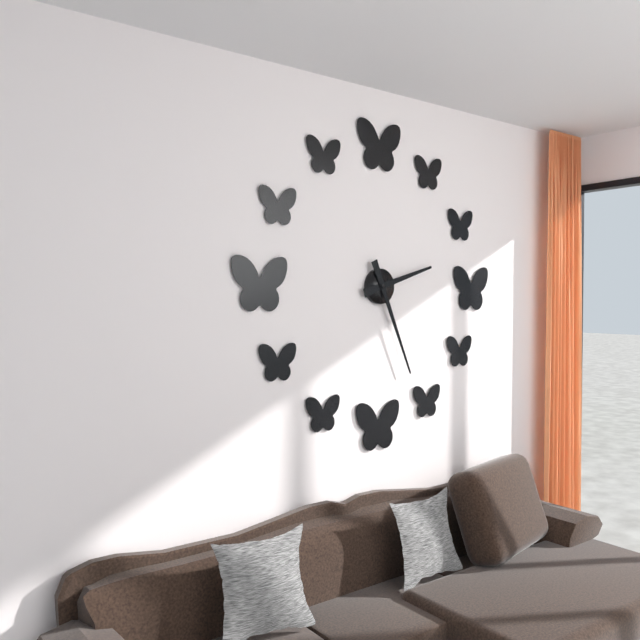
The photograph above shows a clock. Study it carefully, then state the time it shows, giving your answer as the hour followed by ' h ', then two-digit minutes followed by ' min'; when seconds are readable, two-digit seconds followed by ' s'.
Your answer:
2 h 26 min
